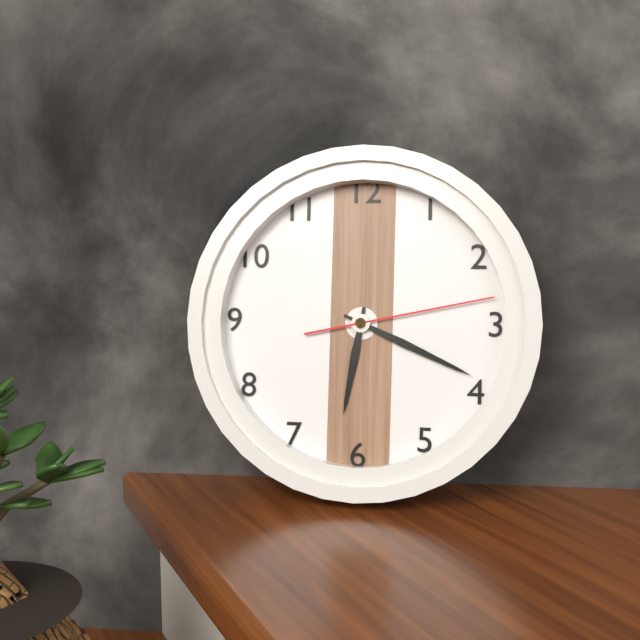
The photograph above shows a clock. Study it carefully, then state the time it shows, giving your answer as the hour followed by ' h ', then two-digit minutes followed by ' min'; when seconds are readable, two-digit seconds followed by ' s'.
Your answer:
6 h 19 min 13 s
